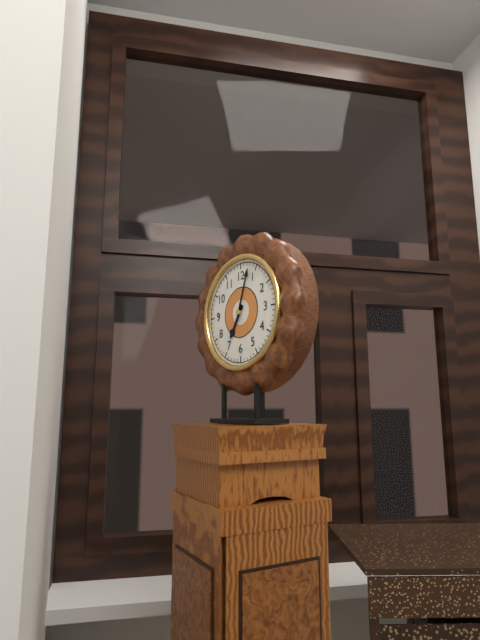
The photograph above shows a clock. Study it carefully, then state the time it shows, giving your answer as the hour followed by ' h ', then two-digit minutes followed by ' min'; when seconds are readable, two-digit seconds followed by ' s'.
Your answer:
7 h 03 min
